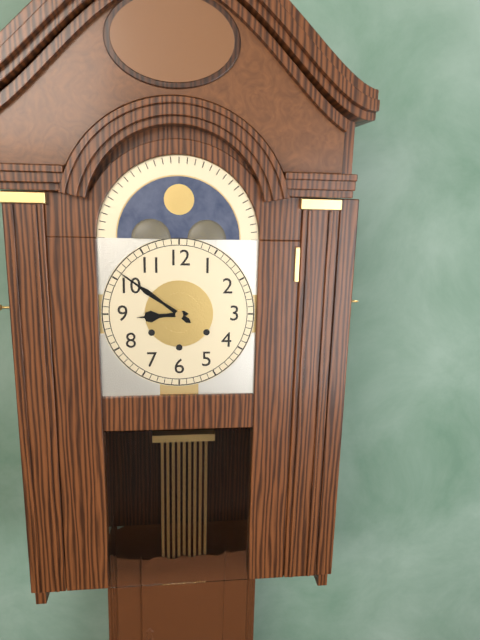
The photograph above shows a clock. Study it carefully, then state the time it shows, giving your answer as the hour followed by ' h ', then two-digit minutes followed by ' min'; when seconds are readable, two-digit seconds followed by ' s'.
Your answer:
8 h 51 min
